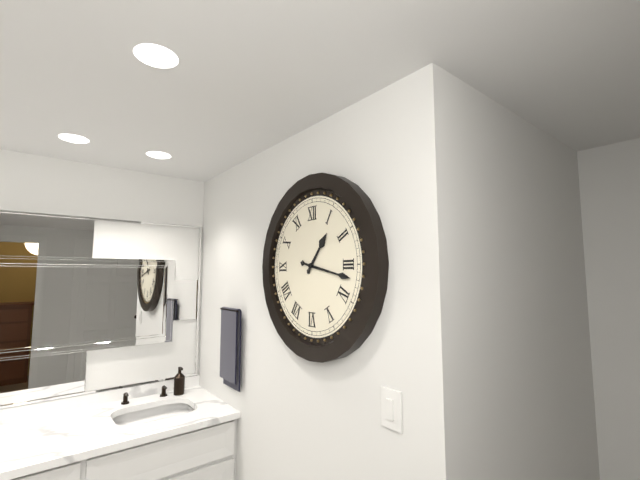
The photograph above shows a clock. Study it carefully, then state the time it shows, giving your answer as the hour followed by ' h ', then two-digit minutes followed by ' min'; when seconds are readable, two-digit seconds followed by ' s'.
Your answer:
1 h 17 min
